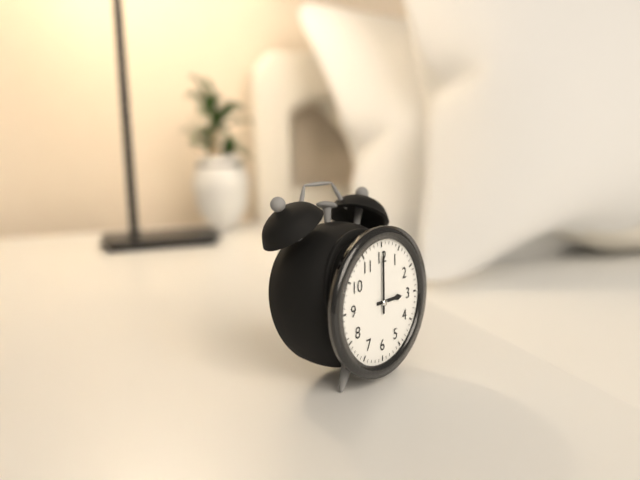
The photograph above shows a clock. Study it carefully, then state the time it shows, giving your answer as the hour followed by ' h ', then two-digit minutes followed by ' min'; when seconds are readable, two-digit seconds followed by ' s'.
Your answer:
3 h 00 min
